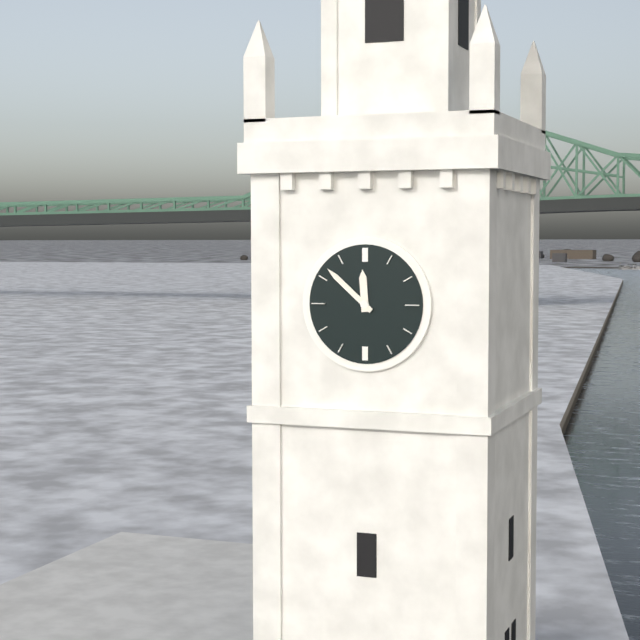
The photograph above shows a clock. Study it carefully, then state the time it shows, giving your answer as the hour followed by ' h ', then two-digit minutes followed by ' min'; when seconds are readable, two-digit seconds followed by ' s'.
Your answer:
11 h 52 min
